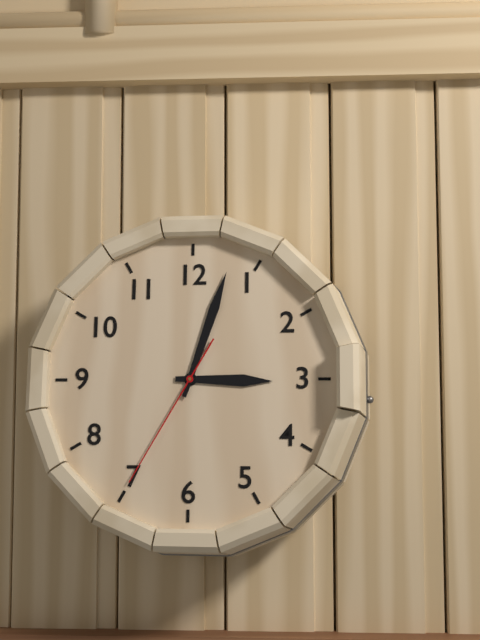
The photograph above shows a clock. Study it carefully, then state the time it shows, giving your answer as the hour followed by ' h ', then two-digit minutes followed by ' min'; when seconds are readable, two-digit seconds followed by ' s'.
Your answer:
3 h 03 min 35 s
